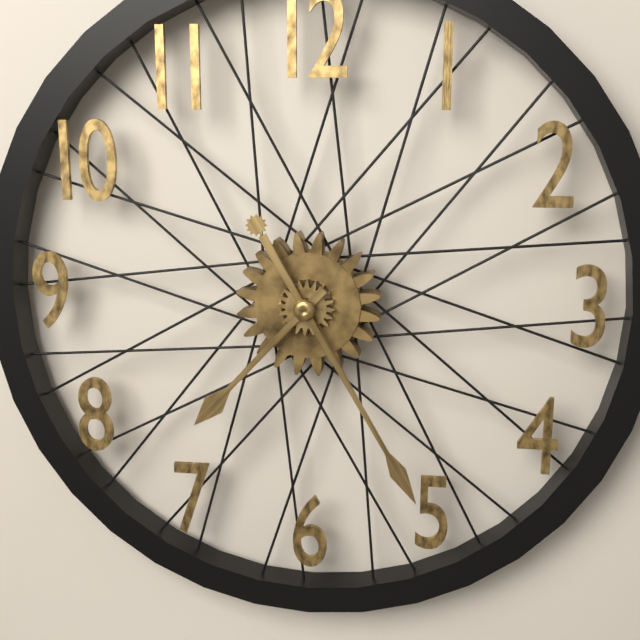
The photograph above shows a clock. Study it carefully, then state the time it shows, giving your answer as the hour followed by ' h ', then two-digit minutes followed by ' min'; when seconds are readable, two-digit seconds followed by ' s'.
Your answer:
7 h 25 min
